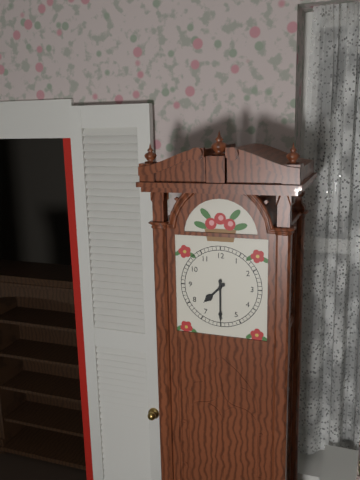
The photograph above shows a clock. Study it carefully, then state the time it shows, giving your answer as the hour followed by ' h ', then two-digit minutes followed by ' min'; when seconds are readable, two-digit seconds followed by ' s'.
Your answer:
7 h 30 min
